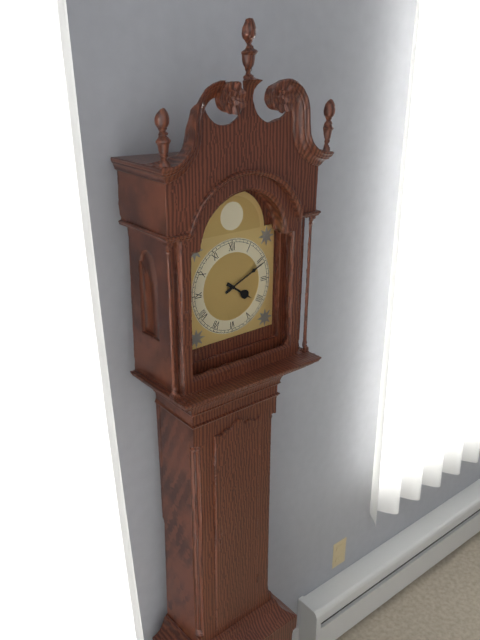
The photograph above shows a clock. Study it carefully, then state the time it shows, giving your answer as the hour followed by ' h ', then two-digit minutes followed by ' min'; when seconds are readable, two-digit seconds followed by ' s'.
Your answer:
4 h 11 min
